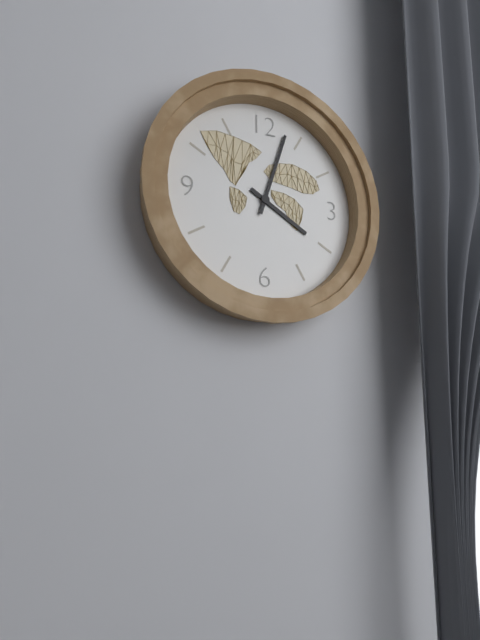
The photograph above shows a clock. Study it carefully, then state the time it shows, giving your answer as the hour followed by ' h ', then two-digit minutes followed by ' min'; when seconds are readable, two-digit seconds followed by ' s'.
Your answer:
4 h 03 min
